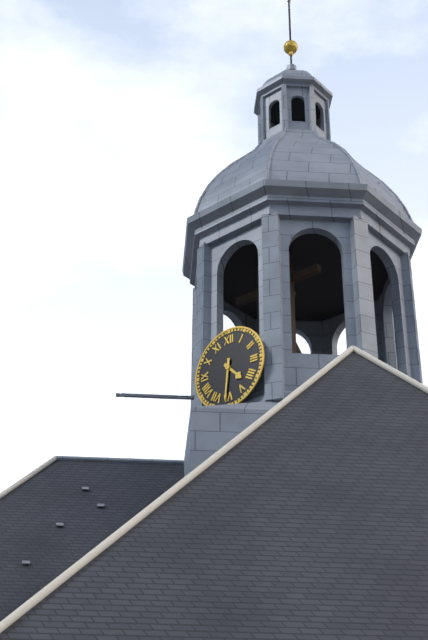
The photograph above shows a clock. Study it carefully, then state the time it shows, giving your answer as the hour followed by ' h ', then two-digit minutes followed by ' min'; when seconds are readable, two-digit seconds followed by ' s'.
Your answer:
4 h 31 min
